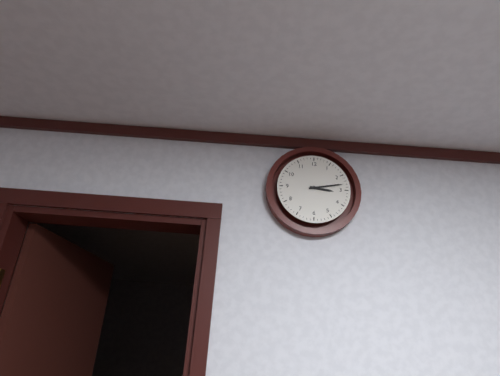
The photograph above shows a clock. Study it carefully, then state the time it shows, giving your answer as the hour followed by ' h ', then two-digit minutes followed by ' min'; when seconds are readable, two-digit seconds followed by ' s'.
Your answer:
3 h 13 min
